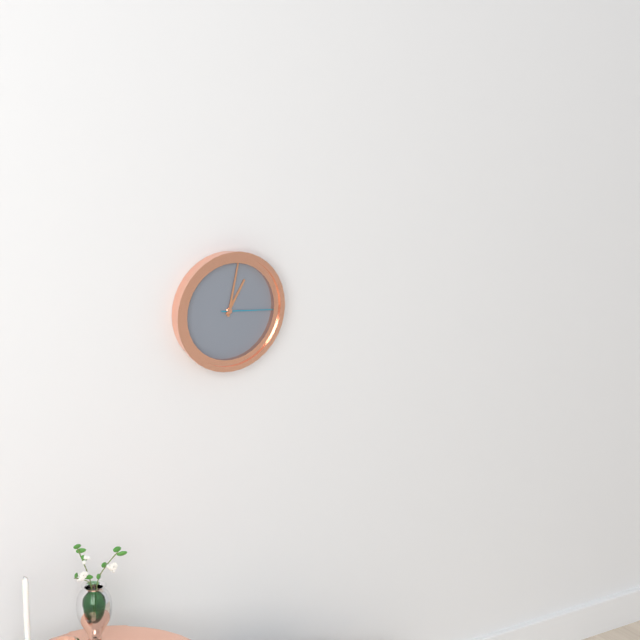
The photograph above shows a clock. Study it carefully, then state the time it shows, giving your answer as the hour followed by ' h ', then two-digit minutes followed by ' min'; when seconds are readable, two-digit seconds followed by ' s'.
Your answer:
1 h 02 min 16 s
